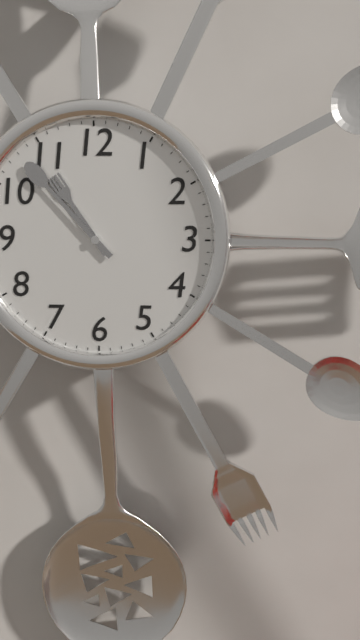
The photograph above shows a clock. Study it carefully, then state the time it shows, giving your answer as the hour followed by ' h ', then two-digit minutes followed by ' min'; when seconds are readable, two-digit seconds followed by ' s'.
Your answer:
10 h 53 min
